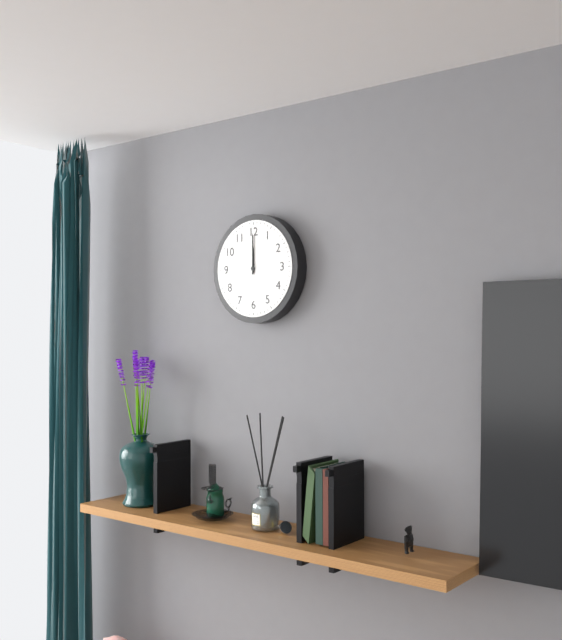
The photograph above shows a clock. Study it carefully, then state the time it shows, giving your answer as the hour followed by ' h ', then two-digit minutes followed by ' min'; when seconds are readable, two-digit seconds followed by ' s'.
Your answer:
12 h 00 min
